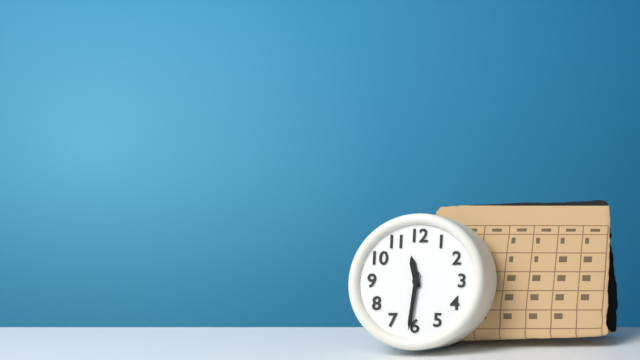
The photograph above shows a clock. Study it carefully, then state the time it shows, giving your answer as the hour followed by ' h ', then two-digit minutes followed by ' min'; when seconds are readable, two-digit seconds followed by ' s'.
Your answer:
11 h 31 min
